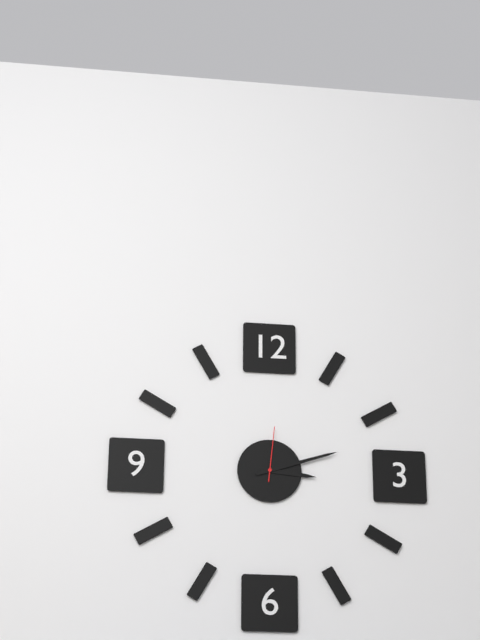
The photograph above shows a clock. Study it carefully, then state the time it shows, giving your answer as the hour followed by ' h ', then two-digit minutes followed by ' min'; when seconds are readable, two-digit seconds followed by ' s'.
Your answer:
3 h 12 min 01 s
